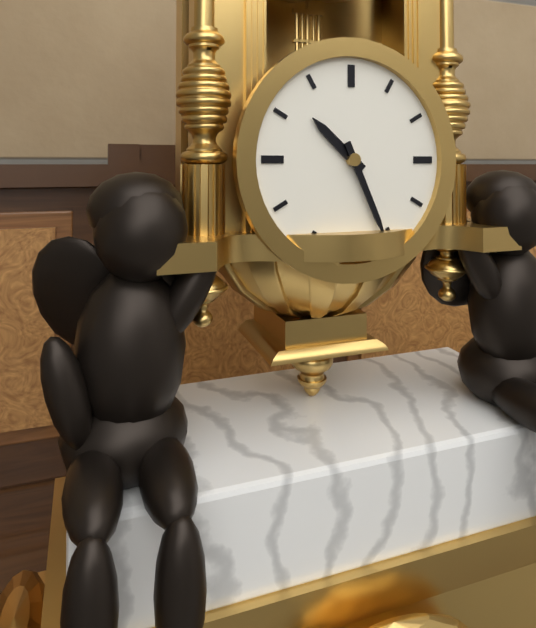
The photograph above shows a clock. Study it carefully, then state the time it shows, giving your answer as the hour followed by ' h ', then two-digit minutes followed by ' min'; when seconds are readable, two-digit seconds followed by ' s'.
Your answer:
10 h 26 min
